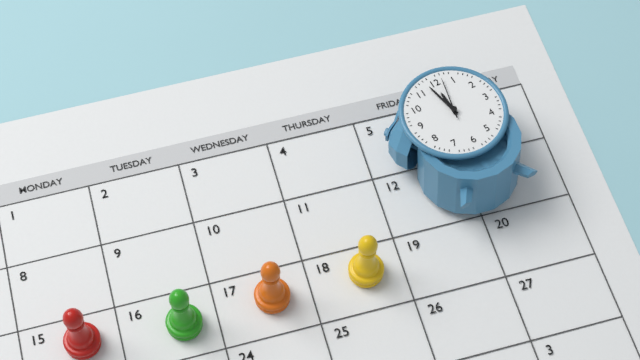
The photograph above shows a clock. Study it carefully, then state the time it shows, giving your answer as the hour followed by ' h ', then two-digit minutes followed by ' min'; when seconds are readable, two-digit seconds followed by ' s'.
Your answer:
11 h 58 min
